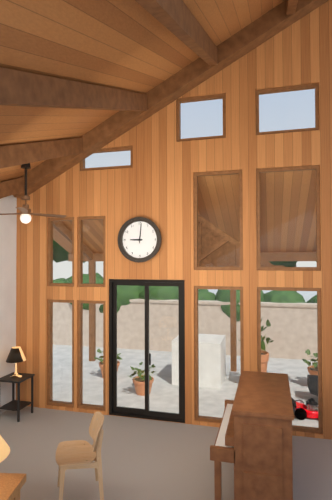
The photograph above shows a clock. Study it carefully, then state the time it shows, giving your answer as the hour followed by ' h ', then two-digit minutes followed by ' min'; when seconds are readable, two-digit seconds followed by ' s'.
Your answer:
9 h 01 min
